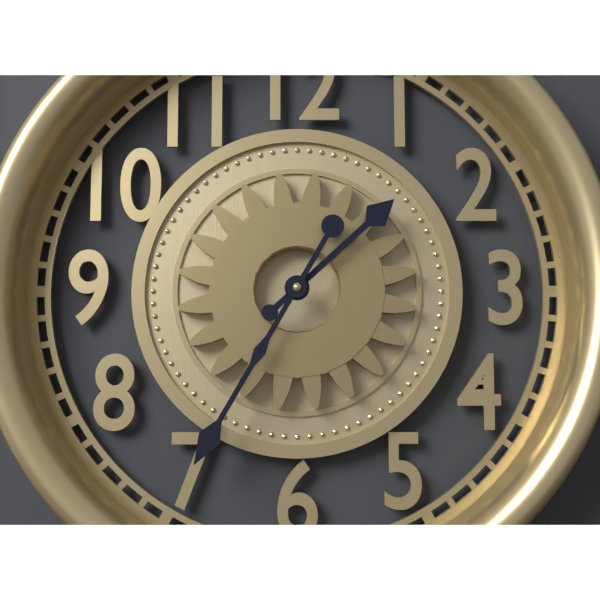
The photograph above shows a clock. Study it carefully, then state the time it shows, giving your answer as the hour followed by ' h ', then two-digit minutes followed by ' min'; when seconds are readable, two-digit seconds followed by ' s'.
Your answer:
1 h 35 min
